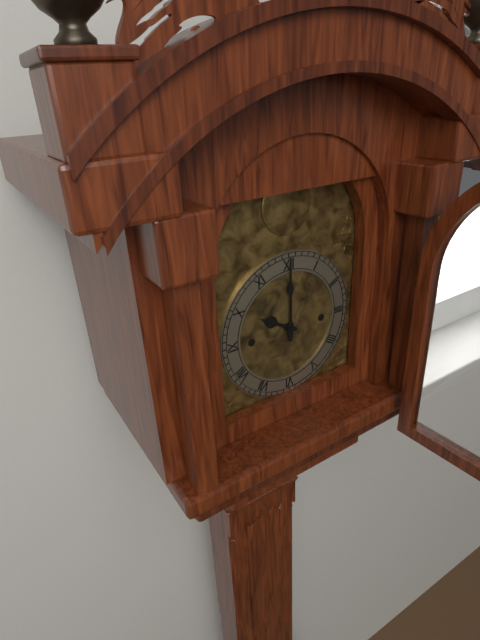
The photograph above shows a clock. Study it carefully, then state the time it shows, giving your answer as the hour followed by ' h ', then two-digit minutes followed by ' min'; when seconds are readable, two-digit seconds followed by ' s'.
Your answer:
10 h 00 min
